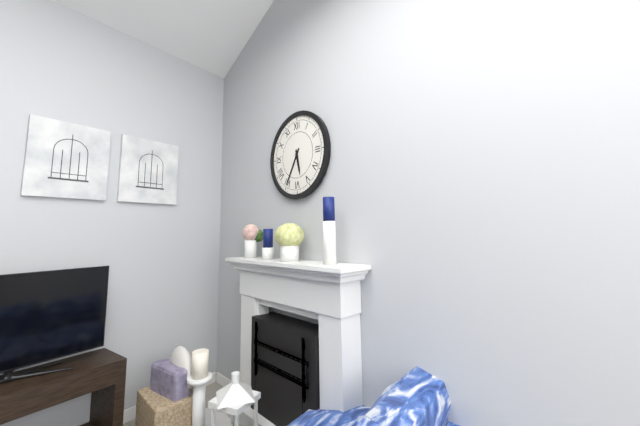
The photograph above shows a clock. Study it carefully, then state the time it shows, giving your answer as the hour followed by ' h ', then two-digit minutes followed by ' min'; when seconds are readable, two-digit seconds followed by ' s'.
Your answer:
5 h 35 min
